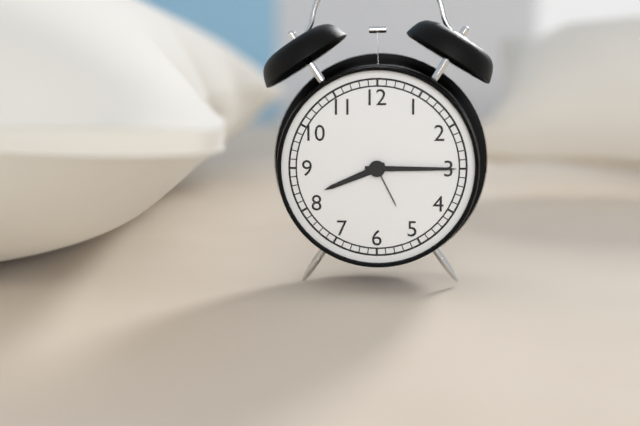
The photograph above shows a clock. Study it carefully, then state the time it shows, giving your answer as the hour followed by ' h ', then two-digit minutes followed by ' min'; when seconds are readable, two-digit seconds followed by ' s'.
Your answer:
8 h 15 min
